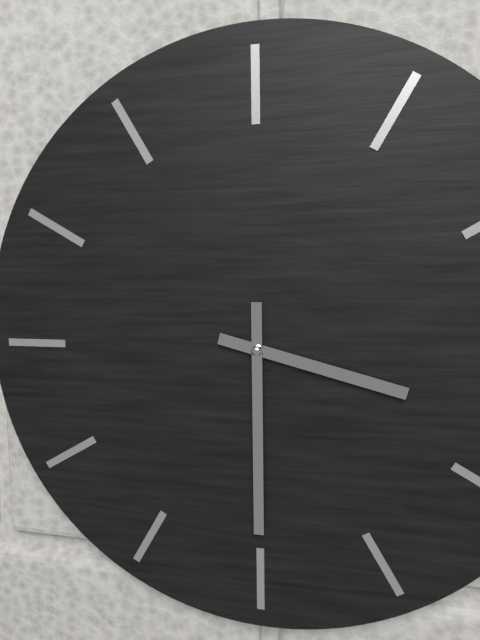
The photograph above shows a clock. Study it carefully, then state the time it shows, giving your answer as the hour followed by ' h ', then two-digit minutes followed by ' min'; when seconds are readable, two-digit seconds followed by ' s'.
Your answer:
3 h 30 min
